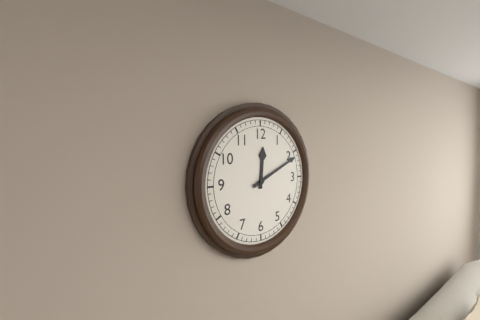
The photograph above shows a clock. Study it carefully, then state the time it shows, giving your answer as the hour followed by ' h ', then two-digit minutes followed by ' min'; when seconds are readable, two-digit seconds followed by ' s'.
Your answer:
12 h 11 min
